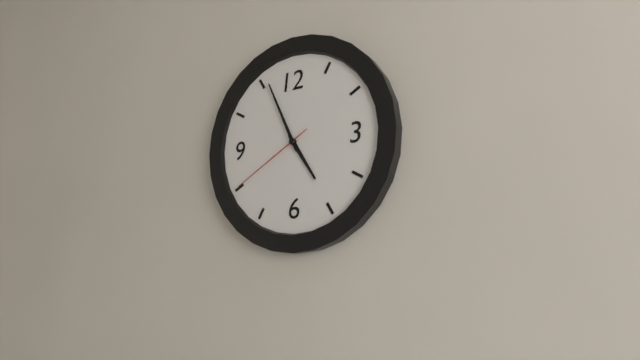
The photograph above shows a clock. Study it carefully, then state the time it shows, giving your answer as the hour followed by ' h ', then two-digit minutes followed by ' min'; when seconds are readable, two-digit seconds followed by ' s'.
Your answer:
4 h 56 min 40 s
